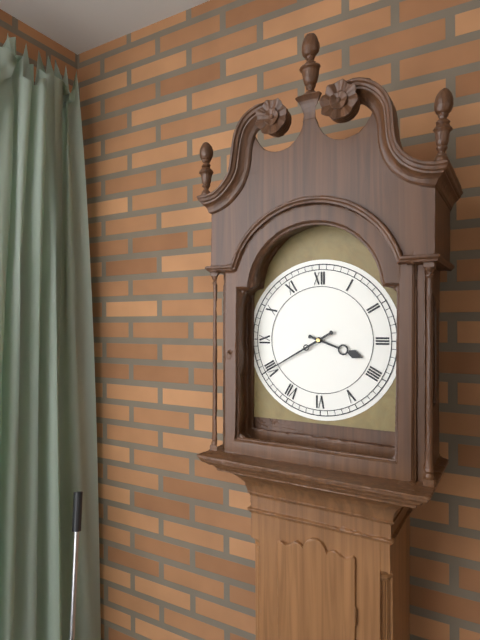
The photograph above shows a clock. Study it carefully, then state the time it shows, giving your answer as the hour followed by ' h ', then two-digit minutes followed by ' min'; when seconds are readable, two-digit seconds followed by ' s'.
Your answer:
3 h 40 min
